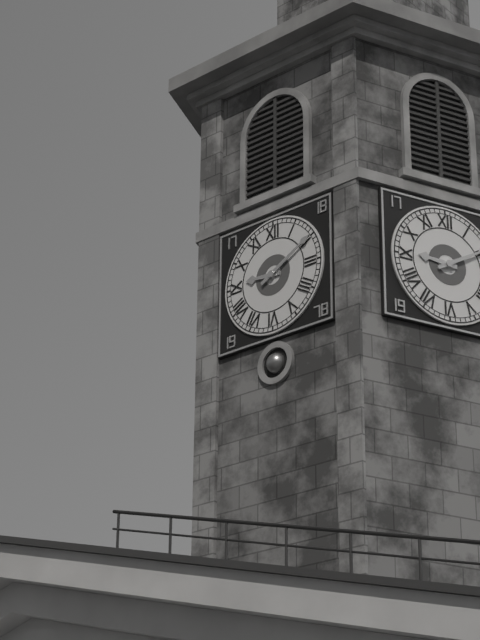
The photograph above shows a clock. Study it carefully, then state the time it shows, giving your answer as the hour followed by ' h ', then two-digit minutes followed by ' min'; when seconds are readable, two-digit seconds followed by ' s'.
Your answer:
9 h 10 min
